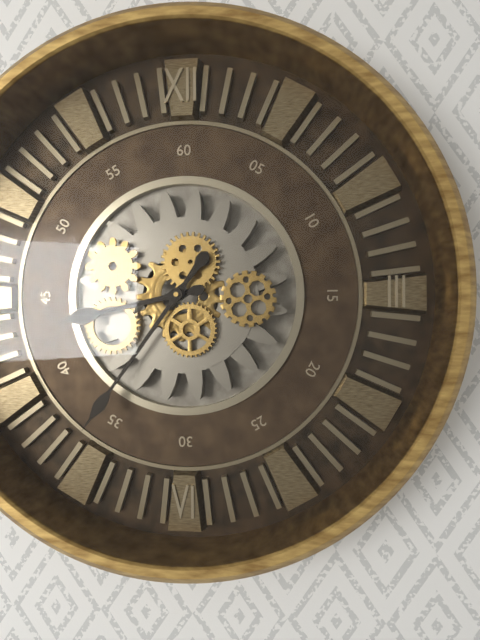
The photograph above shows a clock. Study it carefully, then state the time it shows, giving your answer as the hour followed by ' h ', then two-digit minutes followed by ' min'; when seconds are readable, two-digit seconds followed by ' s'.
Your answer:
8 h 36 min
